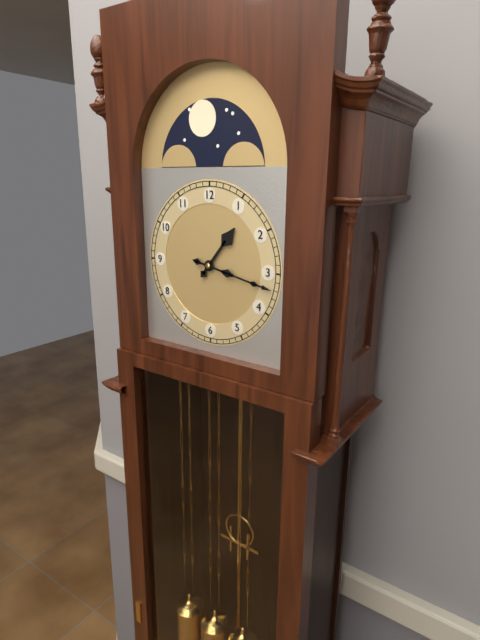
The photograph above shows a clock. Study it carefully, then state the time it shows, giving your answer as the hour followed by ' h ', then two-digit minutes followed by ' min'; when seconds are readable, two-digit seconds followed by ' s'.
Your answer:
1 h 17 min
